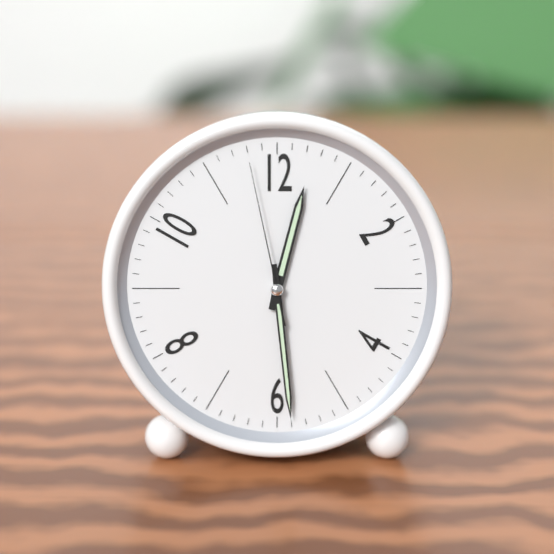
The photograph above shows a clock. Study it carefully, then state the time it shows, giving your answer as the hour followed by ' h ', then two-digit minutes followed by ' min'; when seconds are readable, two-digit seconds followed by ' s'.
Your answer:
12 h 29 min 58 s
